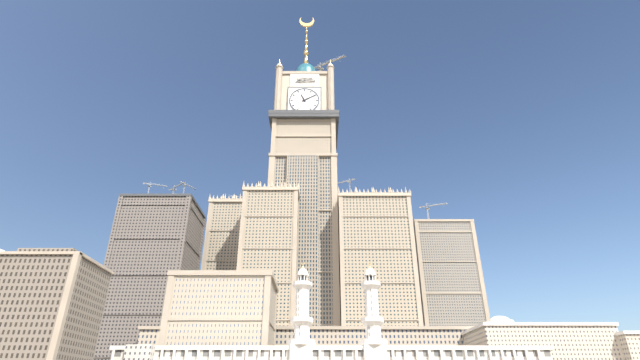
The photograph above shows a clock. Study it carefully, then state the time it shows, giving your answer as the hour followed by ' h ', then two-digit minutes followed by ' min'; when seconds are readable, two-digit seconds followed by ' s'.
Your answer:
11 h 10 min
